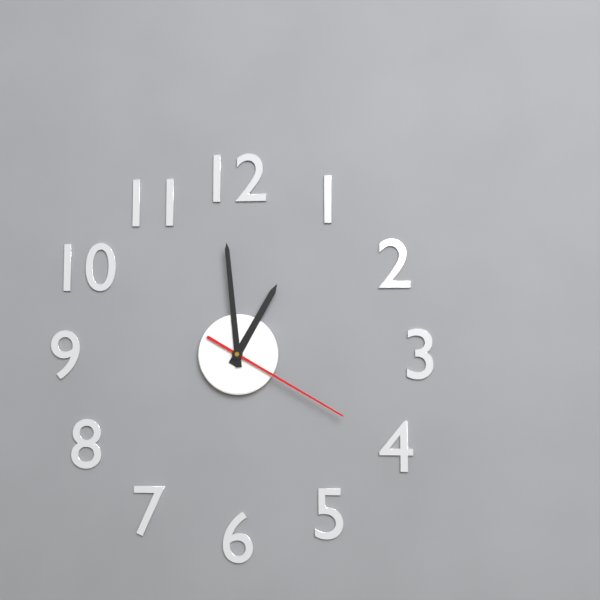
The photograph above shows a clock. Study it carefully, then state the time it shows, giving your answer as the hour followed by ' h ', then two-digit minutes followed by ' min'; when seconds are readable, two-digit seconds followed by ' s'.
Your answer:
12 h 59 min 20 s
